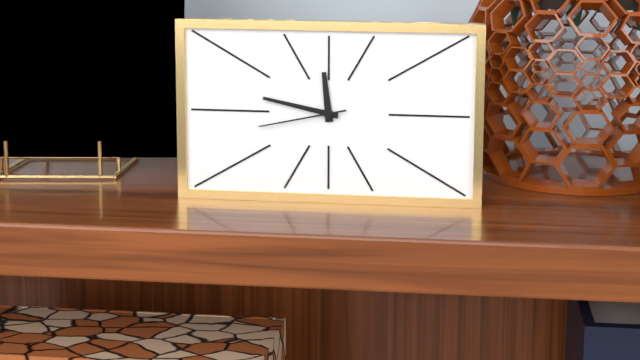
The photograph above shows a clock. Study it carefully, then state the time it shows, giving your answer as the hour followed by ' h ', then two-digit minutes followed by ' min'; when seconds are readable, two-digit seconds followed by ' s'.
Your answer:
11 h 47 min 43 s
